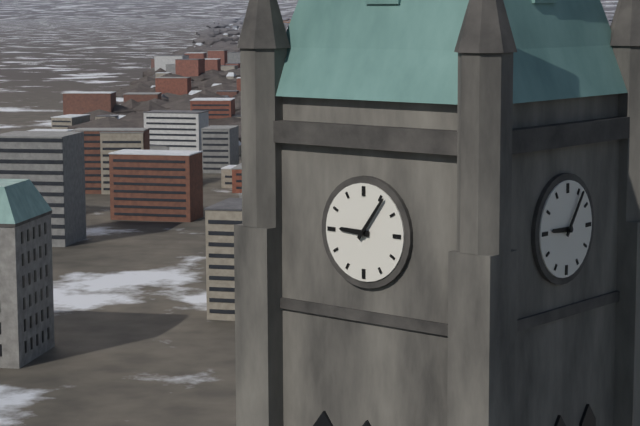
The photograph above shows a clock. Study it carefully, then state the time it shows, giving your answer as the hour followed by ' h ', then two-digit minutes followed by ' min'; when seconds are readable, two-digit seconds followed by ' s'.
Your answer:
9 h 06 min
